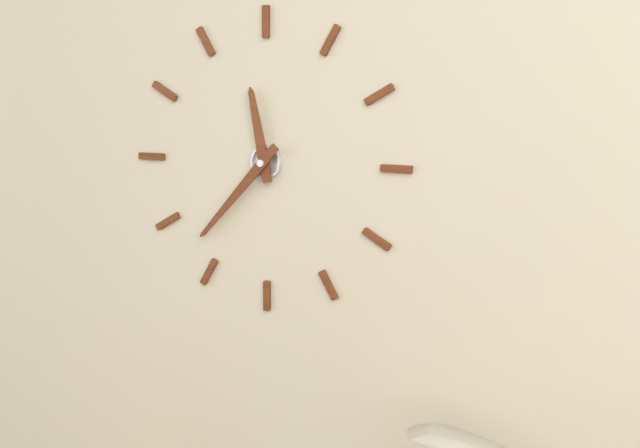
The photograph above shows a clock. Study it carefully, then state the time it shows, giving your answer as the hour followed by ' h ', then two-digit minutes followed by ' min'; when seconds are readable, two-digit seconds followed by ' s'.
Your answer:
11 h 37 min
